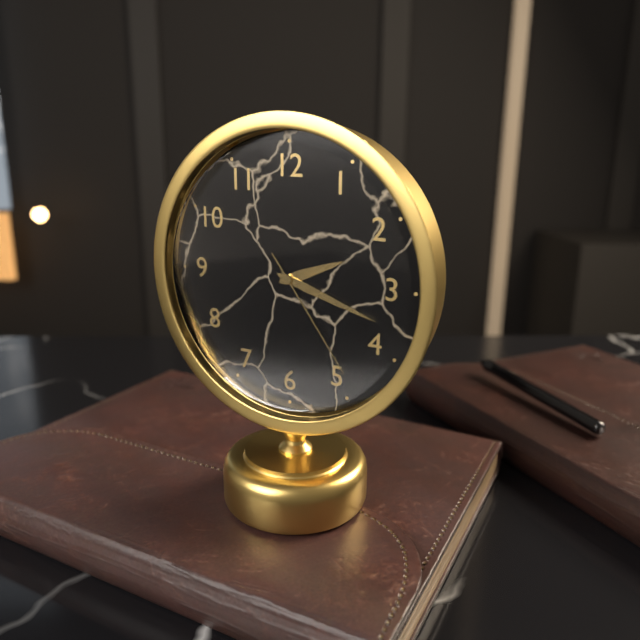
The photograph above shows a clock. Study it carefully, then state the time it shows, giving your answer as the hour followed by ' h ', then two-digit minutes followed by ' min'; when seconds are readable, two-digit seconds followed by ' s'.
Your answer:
2 h 18 min 24 s
